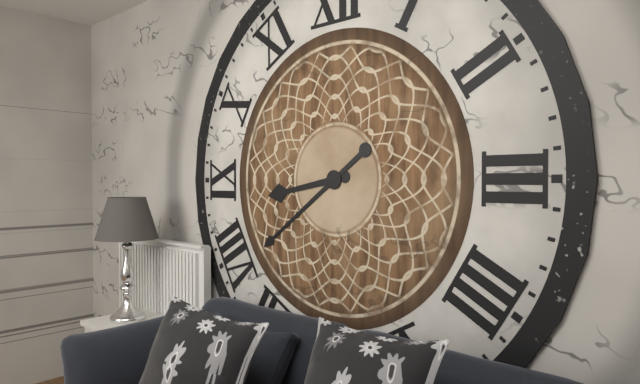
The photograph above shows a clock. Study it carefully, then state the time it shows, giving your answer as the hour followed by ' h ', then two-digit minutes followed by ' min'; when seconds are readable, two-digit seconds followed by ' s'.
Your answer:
8 h 39 min
